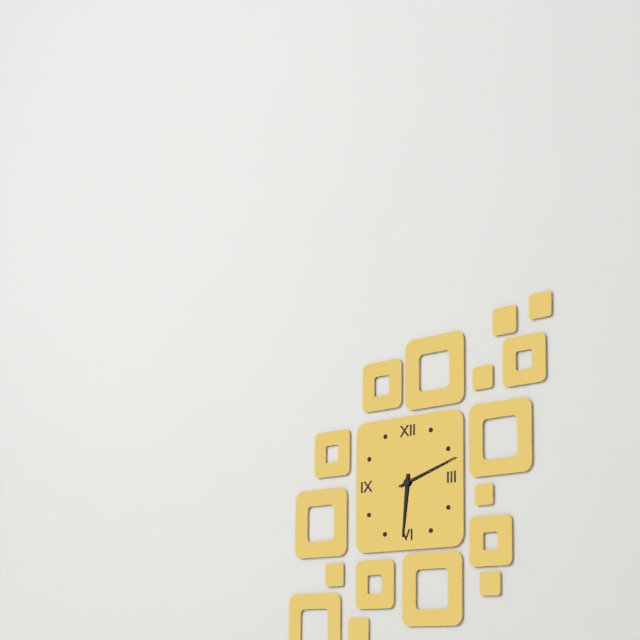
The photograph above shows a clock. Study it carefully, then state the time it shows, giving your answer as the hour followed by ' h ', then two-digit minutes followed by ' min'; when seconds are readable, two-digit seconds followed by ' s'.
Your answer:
6 h 12 min
